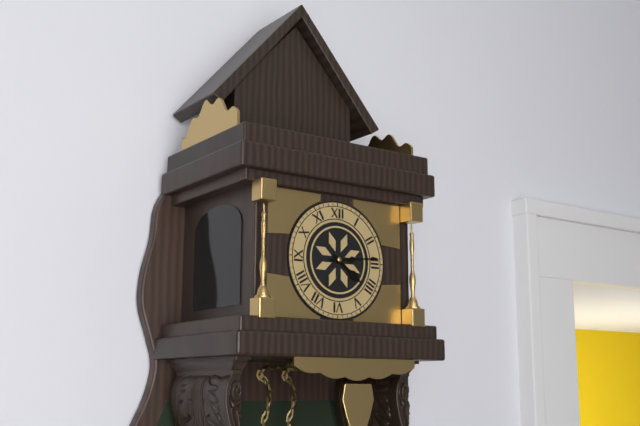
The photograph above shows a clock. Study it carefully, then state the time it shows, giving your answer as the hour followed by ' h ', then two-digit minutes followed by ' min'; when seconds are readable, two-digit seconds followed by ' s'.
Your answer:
4 h 14 min
